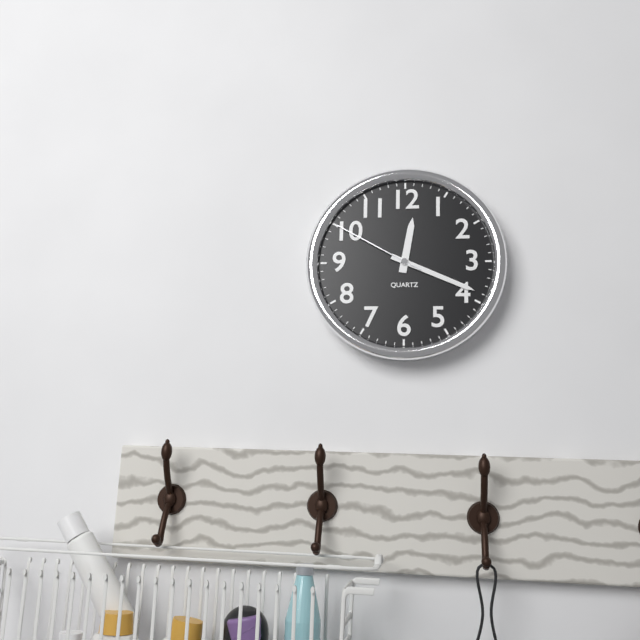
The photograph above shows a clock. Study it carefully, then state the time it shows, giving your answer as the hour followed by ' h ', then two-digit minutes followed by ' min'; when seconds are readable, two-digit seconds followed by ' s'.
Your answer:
12 h 19 min 50 s
